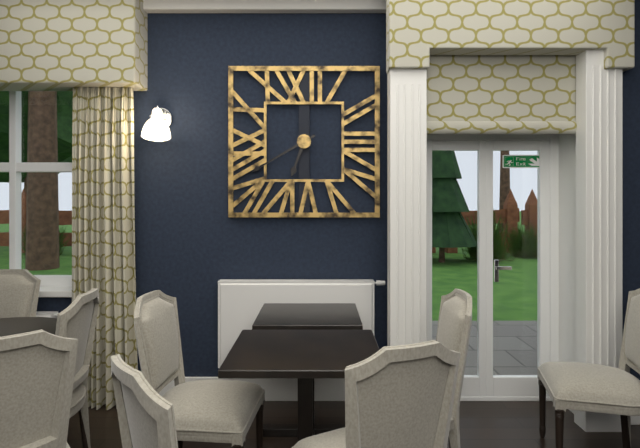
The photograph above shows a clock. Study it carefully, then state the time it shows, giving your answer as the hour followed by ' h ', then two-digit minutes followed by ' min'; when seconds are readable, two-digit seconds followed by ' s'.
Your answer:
6 h 40 min
